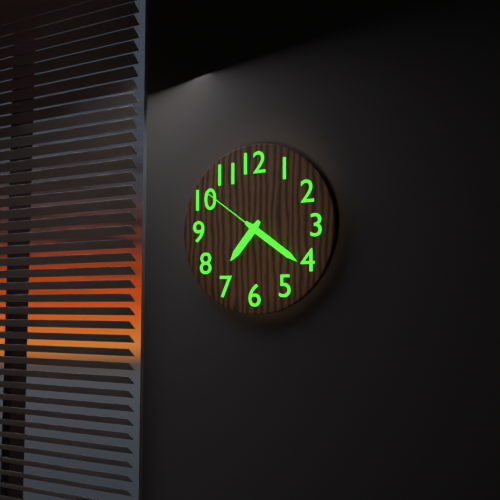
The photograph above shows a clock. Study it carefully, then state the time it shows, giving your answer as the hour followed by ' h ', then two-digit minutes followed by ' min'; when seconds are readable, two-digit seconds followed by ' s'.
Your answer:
7 h 21 min 51 s
